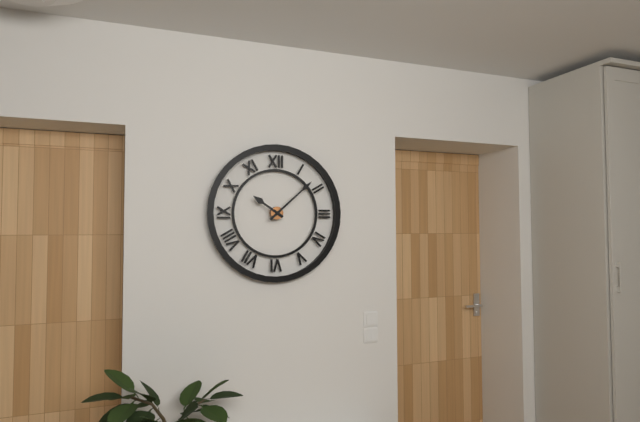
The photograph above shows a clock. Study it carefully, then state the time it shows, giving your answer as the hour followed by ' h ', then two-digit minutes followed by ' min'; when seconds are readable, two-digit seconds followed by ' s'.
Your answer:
10 h 08 min
